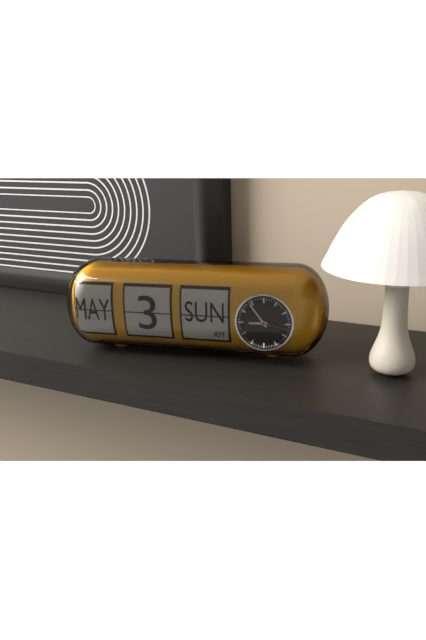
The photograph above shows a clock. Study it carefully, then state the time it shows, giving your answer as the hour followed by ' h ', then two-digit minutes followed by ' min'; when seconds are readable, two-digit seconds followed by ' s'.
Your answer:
8 h 54 min
